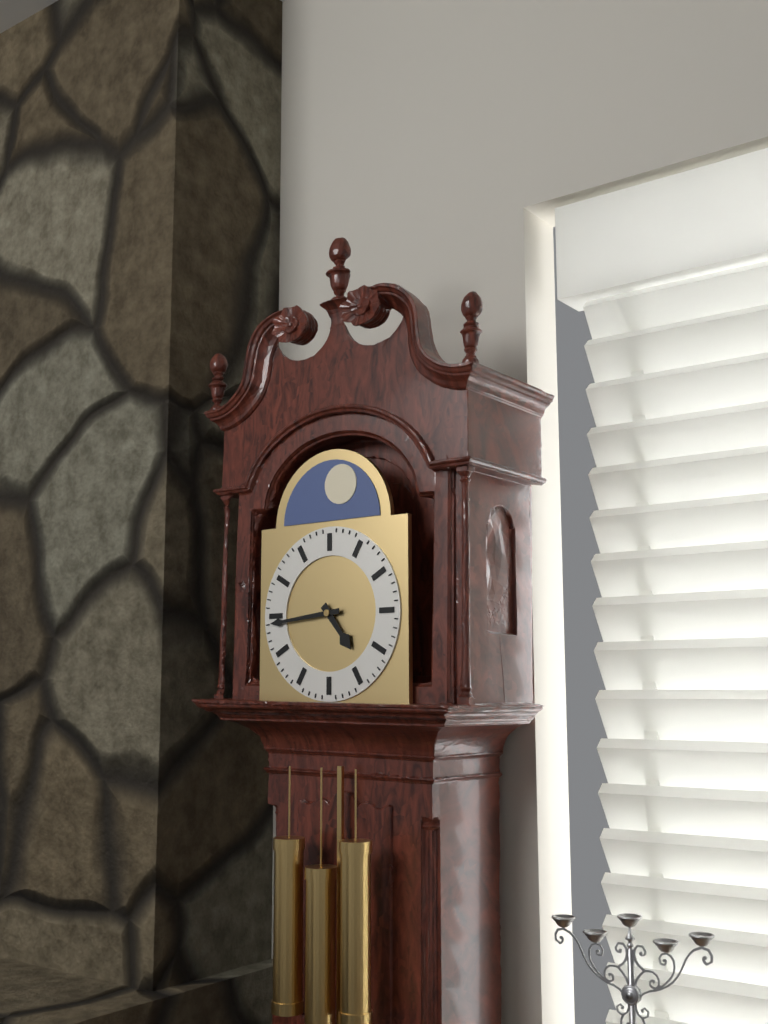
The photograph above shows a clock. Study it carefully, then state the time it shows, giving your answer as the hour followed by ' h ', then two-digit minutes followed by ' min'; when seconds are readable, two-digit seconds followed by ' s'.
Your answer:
4 h 44 min
